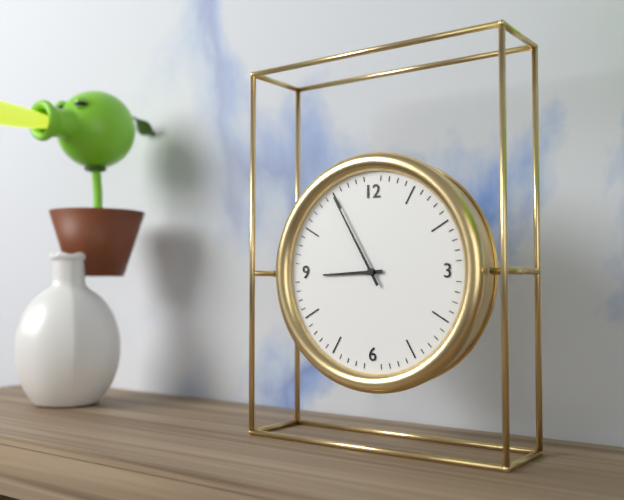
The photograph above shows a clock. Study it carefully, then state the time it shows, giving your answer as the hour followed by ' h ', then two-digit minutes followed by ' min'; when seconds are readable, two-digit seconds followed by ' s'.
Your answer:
8 h 55 min
